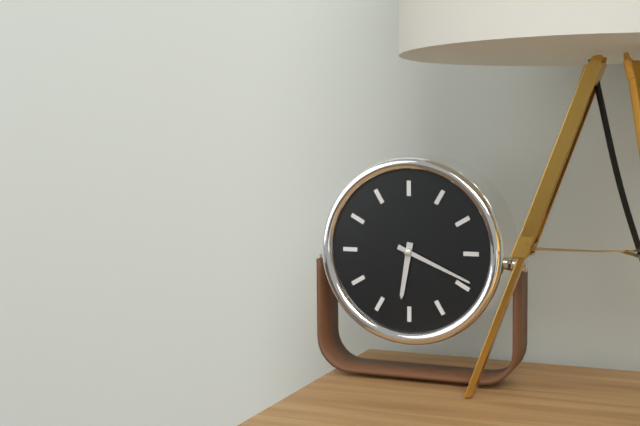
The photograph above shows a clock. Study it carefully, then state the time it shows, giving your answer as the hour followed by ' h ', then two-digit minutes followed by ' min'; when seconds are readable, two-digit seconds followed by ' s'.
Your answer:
6 h 19 min
